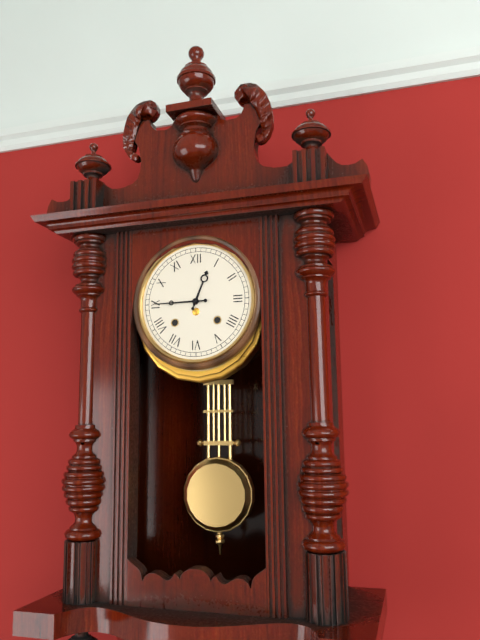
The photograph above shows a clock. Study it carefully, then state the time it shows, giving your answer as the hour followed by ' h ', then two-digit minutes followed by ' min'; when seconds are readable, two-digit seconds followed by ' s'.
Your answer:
12 h 45 min
